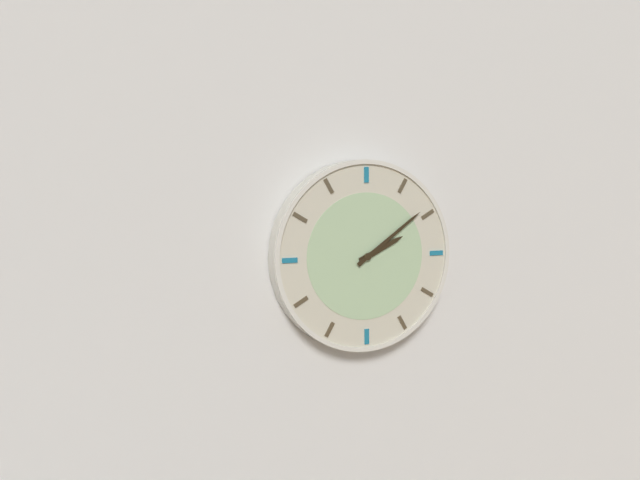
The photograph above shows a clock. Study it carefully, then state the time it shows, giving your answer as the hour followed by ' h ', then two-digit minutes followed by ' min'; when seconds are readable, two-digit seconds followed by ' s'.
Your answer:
2 h 09 min
